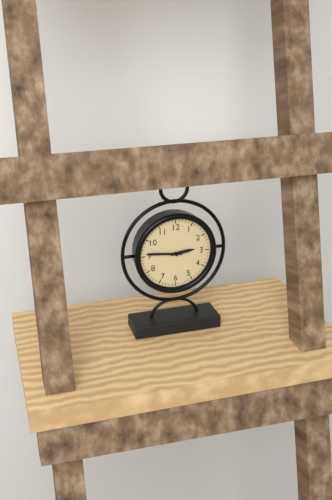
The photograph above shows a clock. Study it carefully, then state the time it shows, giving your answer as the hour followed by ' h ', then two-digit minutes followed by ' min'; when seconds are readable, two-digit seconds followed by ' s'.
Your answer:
2 h 46 min
